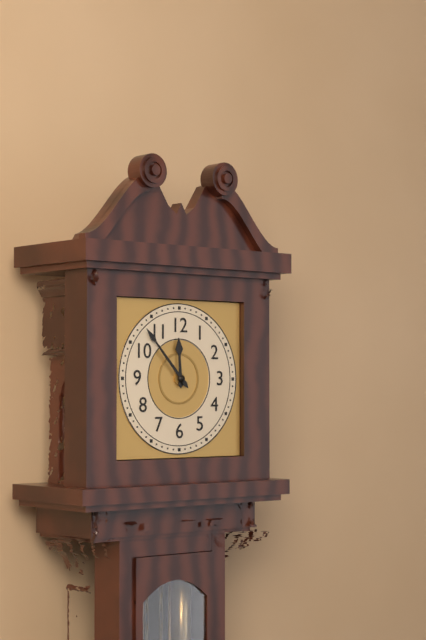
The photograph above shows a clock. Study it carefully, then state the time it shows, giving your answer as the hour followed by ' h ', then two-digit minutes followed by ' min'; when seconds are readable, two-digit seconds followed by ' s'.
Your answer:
11 h 53 min
